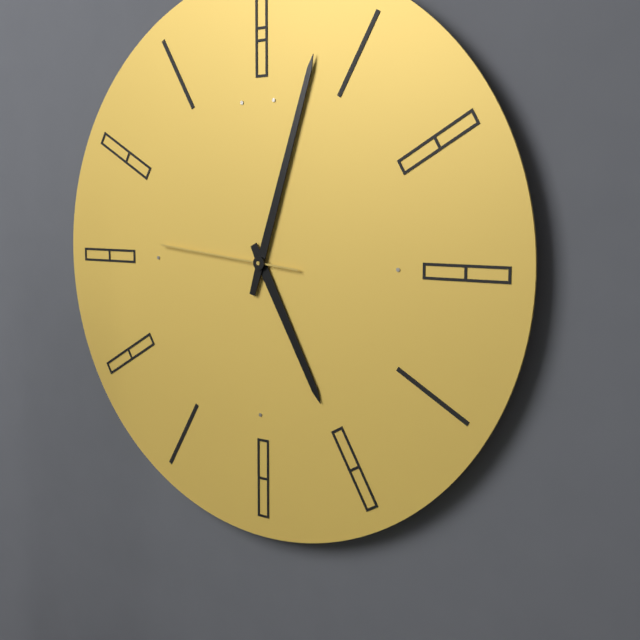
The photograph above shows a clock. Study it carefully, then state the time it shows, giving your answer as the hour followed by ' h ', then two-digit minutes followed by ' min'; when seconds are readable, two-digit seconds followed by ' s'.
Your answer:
5 h 03 min 46 s
